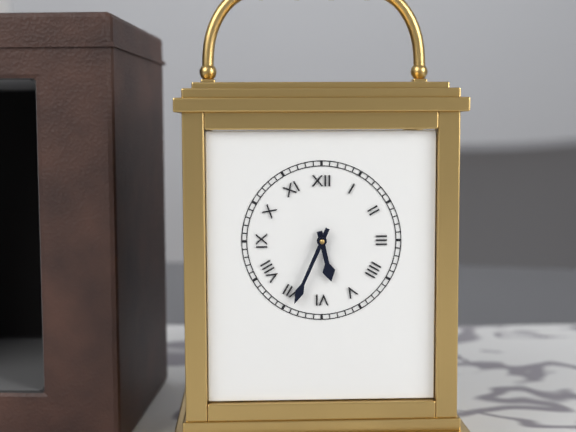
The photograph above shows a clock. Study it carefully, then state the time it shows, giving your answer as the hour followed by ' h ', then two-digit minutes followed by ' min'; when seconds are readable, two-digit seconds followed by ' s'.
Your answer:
5 h 34 min
